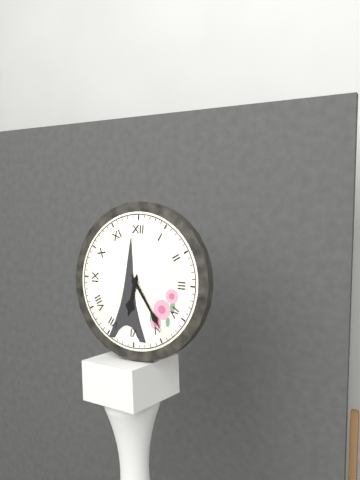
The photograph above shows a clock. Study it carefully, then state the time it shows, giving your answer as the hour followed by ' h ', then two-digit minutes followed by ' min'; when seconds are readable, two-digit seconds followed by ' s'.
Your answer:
6 h 24 min
